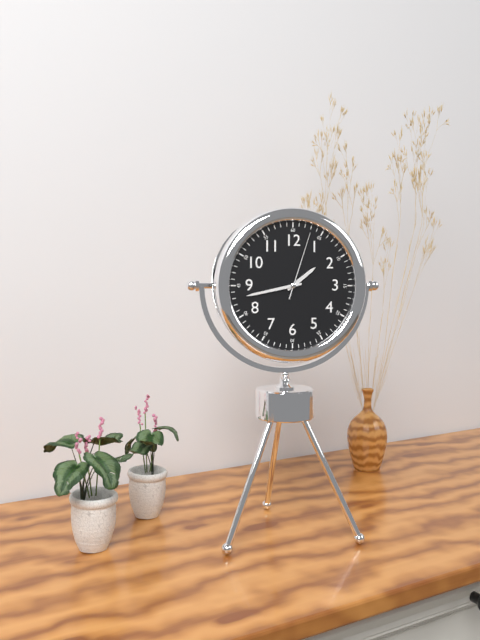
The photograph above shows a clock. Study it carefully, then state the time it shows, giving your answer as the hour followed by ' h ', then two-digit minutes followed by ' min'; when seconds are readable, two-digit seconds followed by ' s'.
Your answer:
1 h 43 min 03 s
